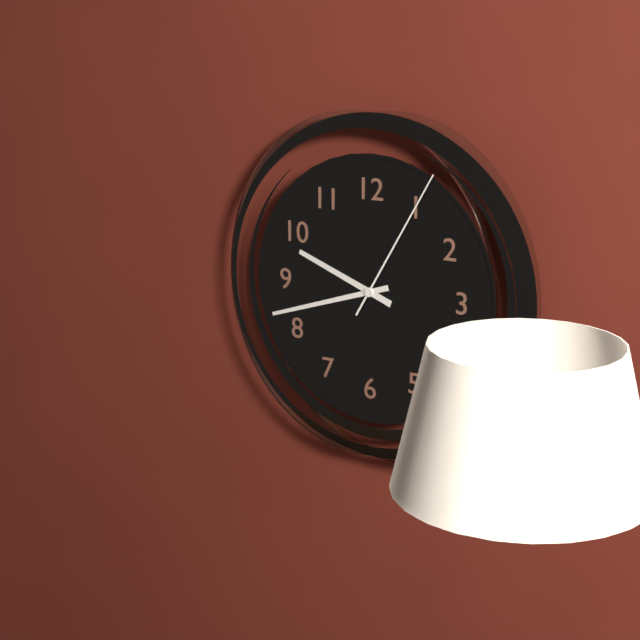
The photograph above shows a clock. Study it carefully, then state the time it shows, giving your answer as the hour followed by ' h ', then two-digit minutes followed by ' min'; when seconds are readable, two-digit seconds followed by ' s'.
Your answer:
9 h 42 min 05 s
